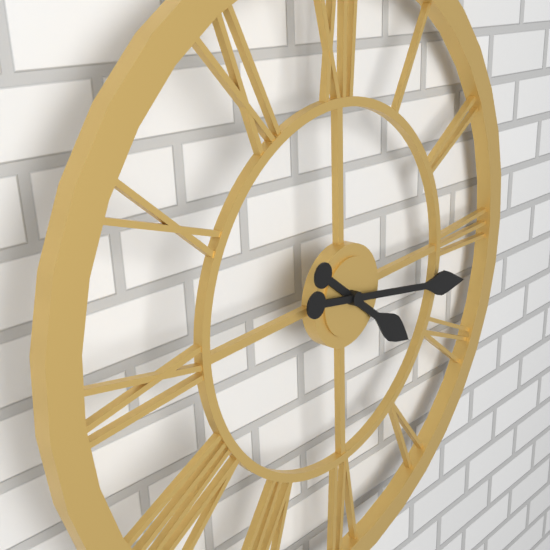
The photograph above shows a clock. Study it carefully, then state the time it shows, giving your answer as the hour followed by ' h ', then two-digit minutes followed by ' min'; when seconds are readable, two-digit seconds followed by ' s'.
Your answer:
4 h 17 min
